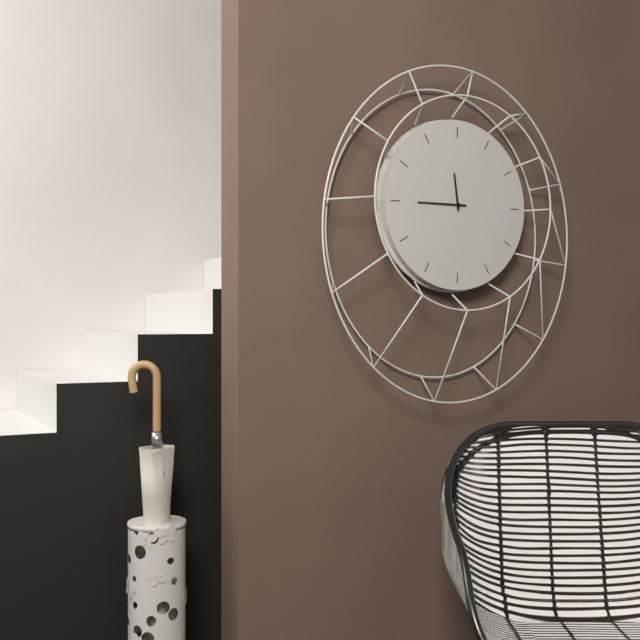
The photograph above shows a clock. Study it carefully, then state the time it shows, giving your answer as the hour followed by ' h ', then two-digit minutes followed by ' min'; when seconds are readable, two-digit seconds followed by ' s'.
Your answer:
11 h 45 min
